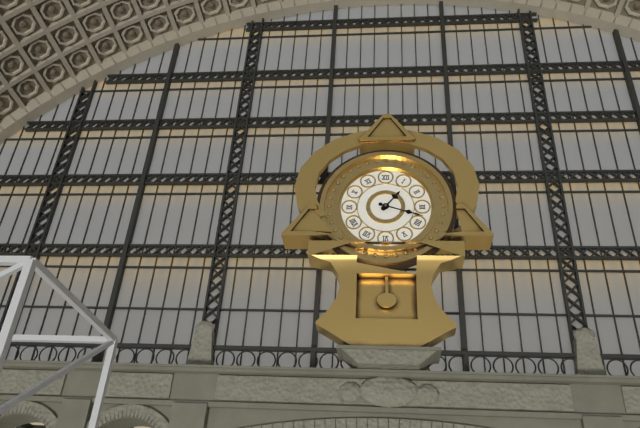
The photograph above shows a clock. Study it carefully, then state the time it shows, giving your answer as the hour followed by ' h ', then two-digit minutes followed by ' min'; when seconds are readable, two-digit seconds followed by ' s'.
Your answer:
1 h 18 min
